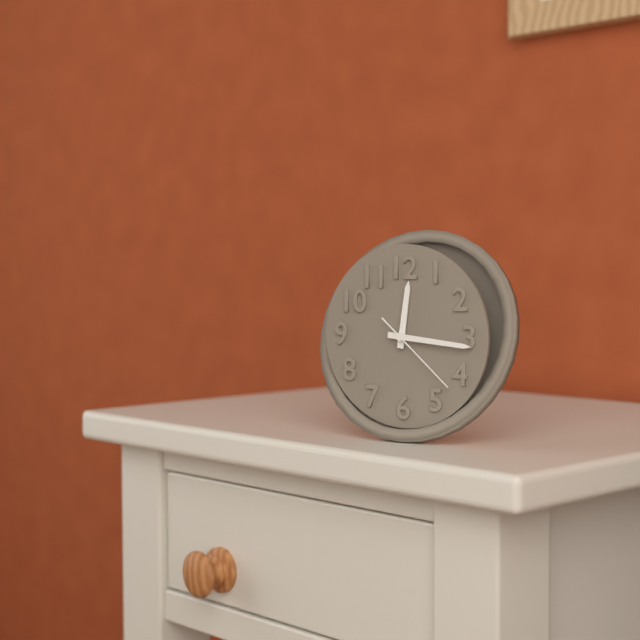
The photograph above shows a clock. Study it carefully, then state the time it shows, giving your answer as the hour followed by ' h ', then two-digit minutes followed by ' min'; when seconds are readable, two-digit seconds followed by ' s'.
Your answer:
12 h 16 min 22 s
